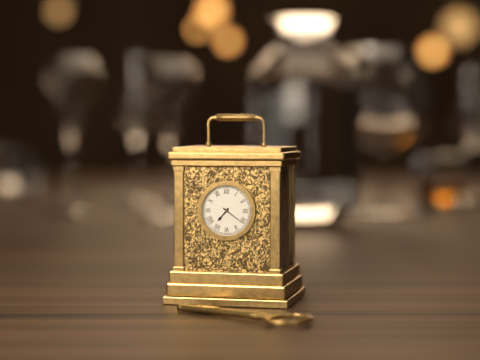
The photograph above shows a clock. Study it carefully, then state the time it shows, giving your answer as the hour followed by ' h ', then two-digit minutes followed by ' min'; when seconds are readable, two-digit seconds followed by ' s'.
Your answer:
7 h 21 min
